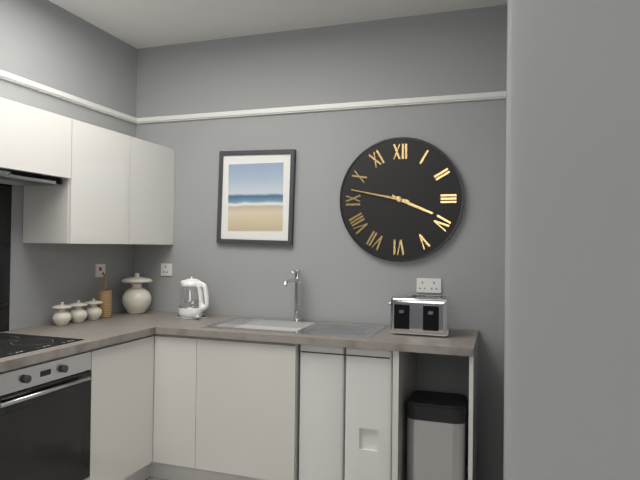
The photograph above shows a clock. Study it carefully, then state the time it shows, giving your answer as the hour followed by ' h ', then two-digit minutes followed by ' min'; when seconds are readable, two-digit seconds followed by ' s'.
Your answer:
3 h 47 min
